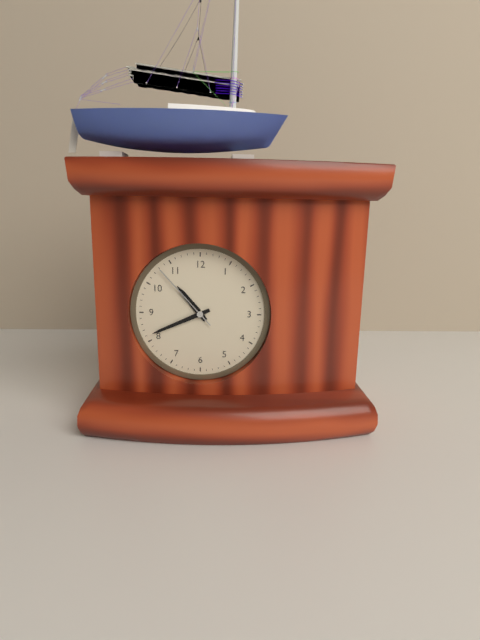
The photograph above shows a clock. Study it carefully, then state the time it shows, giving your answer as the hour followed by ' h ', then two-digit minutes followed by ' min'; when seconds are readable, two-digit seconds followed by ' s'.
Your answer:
10 h 41 min 53 s
